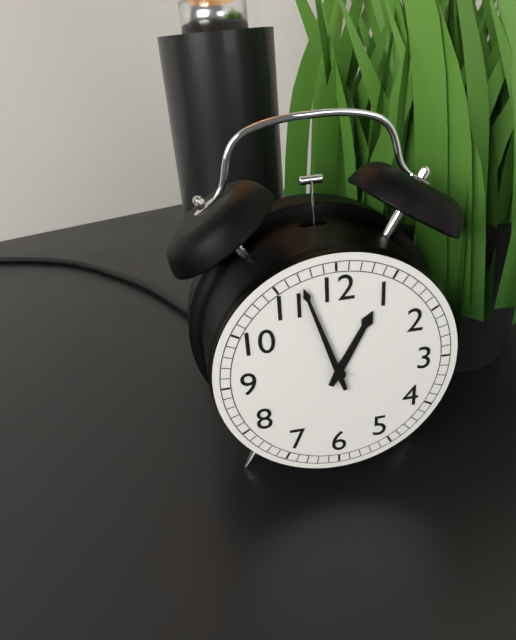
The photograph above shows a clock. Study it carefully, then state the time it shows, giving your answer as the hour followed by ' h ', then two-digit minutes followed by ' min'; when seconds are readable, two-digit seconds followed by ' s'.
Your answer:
12 h 57 min
